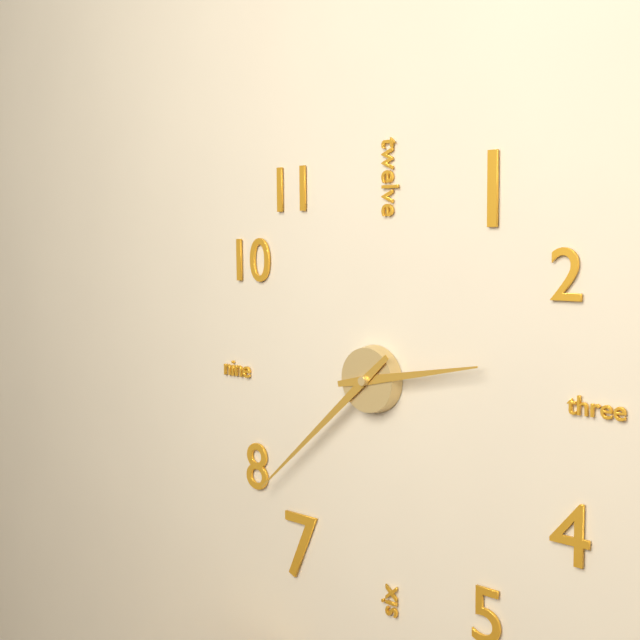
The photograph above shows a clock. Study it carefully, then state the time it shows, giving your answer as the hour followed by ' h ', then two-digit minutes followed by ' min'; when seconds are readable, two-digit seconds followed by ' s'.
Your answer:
2 h 38 min
